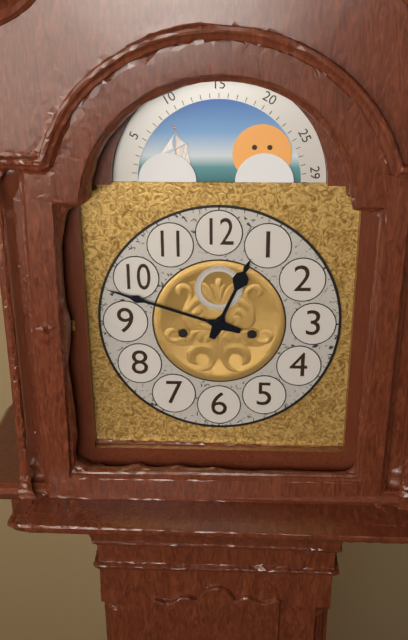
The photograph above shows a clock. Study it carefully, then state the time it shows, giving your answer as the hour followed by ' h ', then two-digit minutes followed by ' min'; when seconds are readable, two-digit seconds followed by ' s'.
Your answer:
12 h 48 min
